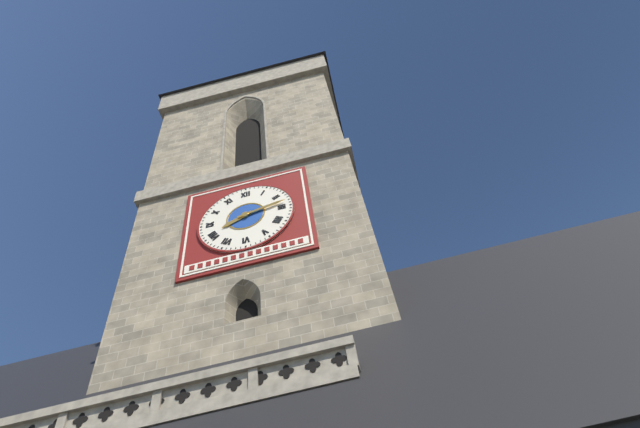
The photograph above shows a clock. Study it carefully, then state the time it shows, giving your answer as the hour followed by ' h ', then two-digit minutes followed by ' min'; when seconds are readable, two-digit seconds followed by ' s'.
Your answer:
8 h 13 min
